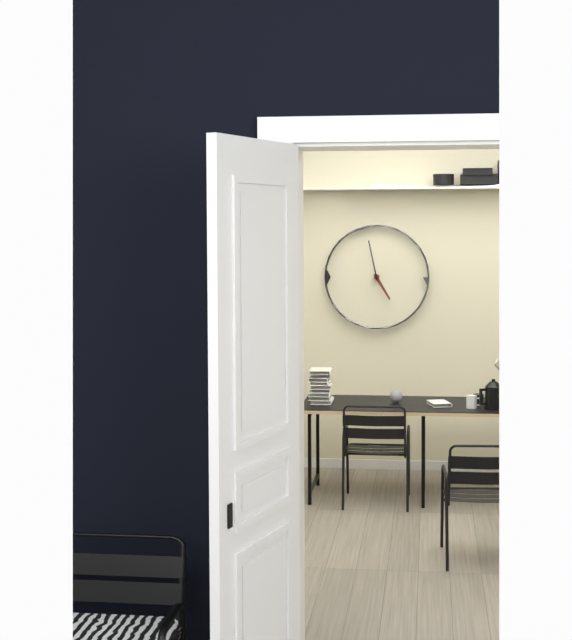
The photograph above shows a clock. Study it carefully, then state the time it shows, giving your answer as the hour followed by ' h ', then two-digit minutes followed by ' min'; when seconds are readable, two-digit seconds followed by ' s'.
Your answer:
4 h 58 min
